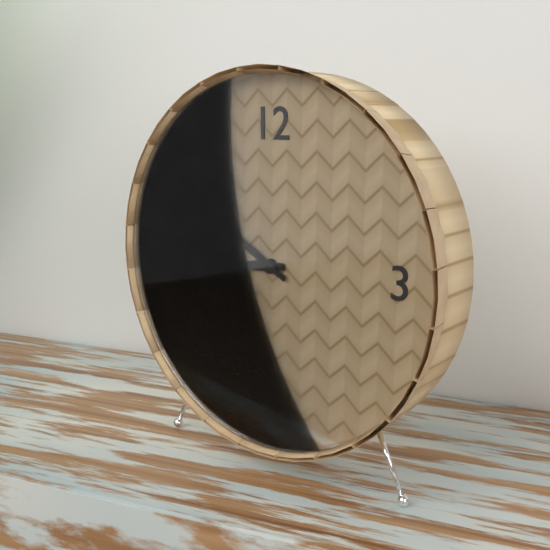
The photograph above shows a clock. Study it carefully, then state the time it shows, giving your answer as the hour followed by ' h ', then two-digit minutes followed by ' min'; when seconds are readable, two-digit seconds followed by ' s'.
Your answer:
8 h 50 min
